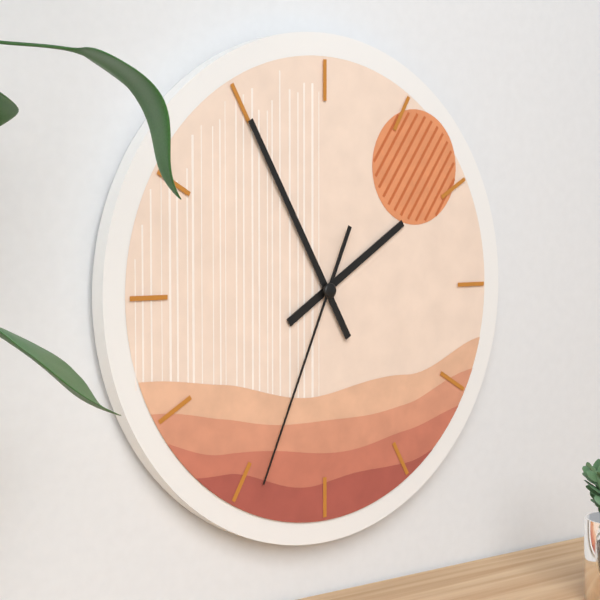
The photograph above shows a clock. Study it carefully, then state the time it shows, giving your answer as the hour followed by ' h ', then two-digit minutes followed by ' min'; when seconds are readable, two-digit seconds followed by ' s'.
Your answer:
1 h 55 min 34 s
